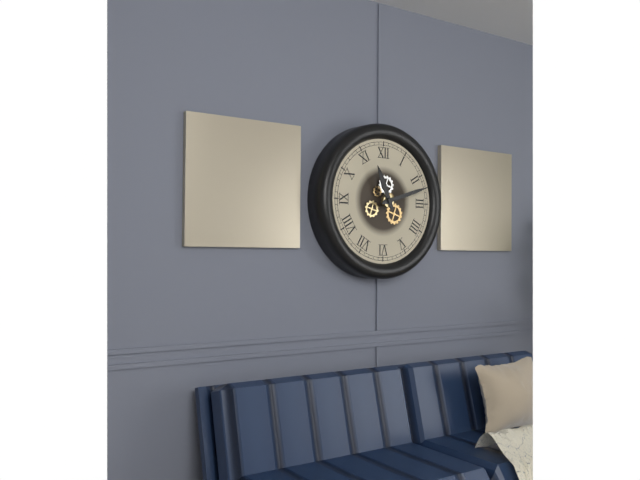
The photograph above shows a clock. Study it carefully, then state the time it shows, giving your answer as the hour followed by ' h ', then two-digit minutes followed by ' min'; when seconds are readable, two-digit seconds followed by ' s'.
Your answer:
11 h 12 min
